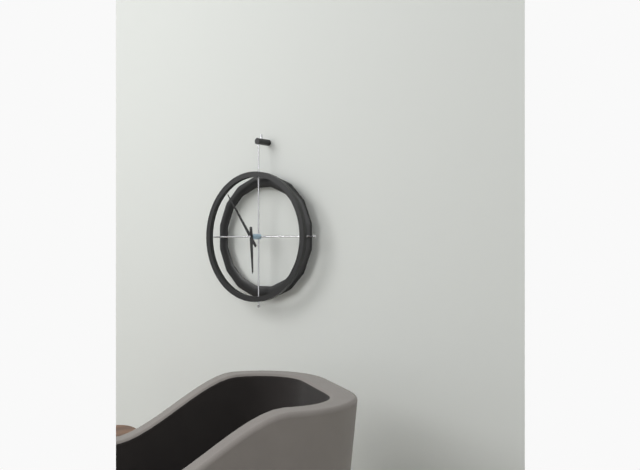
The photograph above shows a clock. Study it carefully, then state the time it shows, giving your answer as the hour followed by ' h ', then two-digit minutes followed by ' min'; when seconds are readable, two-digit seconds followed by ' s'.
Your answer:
5 h 54 min
